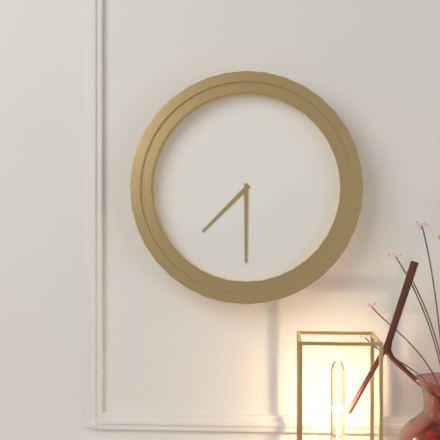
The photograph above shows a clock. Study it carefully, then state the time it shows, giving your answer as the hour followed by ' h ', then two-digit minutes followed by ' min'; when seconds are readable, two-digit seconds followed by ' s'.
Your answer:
7 h 30 min
